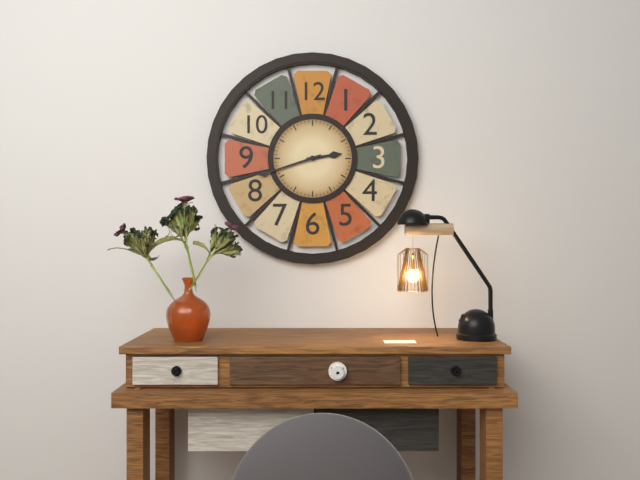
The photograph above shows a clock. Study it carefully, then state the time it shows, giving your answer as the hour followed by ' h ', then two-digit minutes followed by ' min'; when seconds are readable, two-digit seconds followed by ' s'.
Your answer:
2 h 42 min
